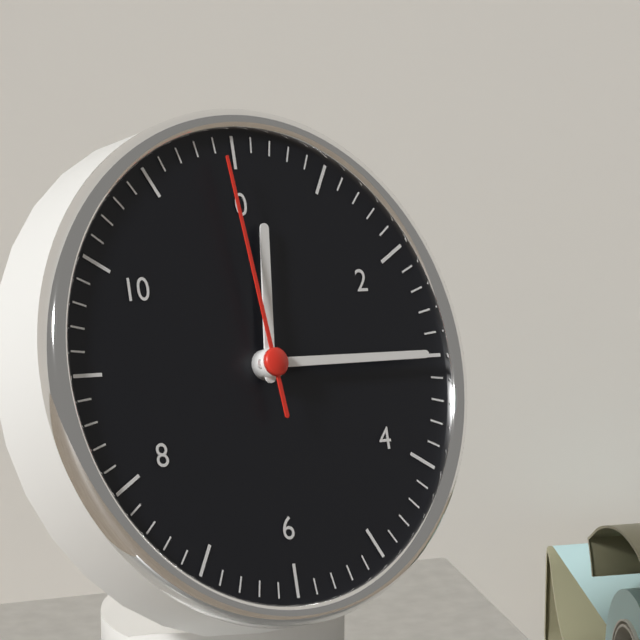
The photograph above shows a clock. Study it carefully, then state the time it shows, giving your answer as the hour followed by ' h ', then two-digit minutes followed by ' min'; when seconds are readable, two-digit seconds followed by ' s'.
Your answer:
12 h 15 min 59 s
